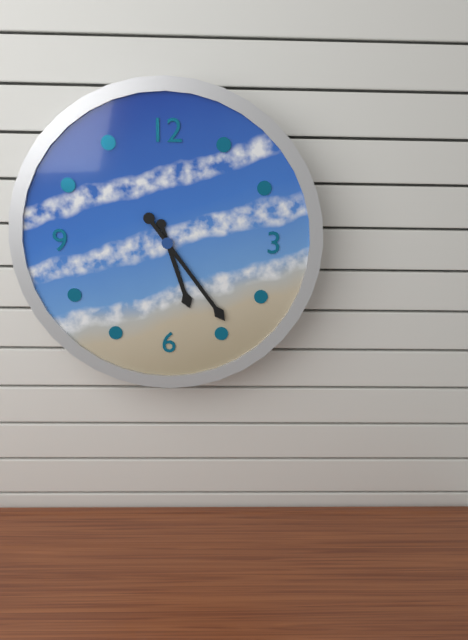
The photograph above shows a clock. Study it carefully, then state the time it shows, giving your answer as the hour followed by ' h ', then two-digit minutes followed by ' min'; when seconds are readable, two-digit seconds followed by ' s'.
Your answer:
5 h 24 min
